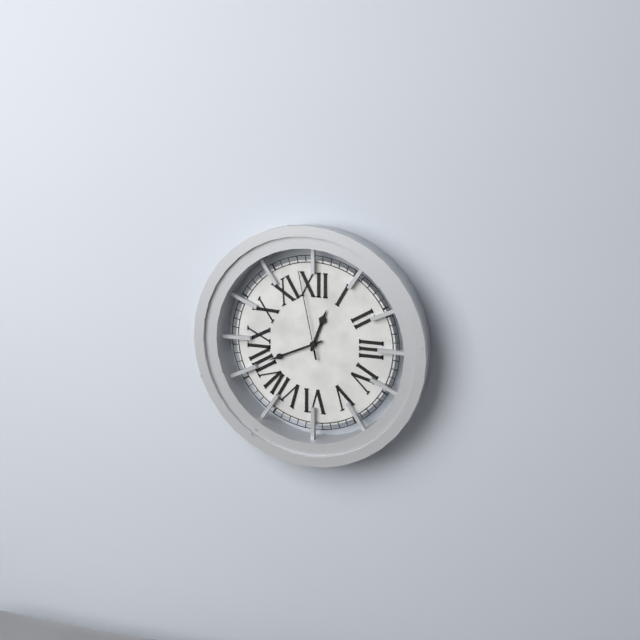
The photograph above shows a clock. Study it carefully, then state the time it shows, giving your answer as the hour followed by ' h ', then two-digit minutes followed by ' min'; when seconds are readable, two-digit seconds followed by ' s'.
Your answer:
12 h 41 min 58 s
